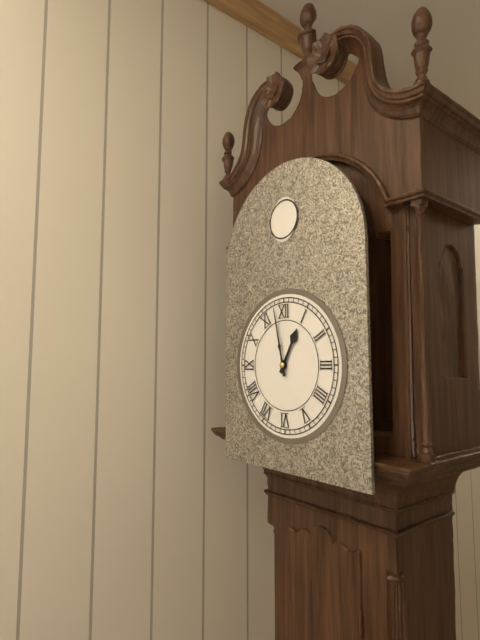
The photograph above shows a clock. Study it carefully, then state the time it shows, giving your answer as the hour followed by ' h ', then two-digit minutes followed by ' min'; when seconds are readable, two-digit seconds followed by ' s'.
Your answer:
12 h 58 min
